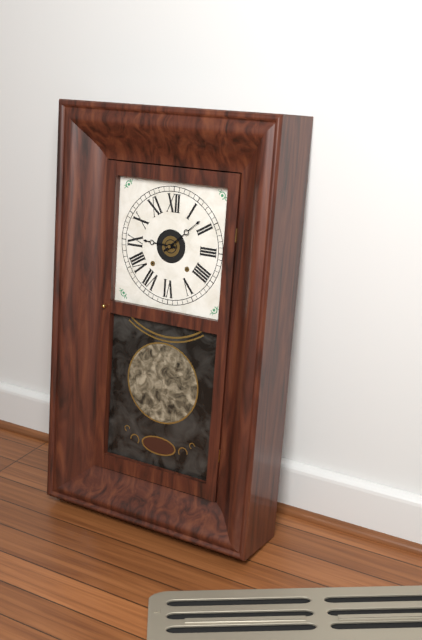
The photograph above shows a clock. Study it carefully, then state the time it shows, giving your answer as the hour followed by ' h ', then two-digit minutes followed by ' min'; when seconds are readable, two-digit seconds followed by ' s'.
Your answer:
9 h 08 min
